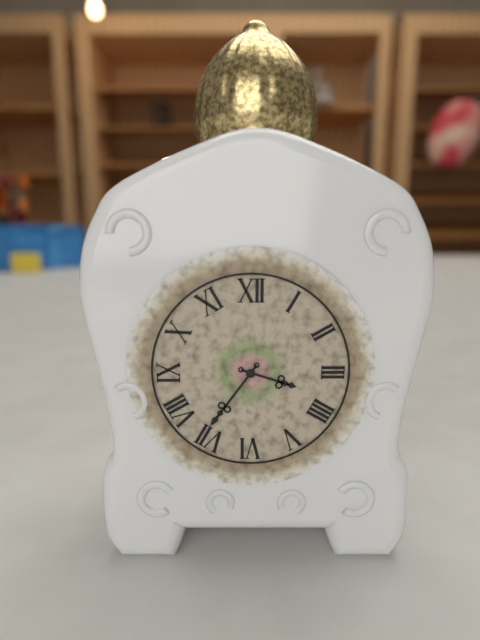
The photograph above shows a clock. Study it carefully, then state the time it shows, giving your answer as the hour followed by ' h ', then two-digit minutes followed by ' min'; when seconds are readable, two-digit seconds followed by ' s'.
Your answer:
3 h 36 min
